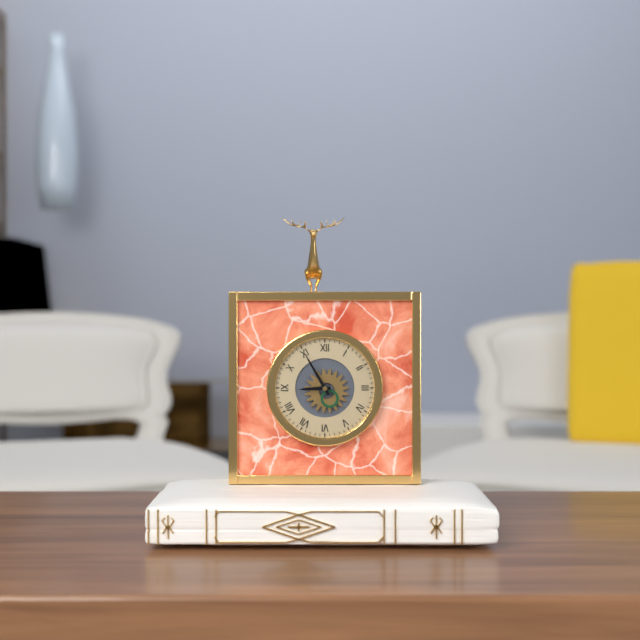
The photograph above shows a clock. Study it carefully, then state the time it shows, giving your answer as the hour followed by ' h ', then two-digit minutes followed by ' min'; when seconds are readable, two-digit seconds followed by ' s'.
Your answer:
8 h 55 min
